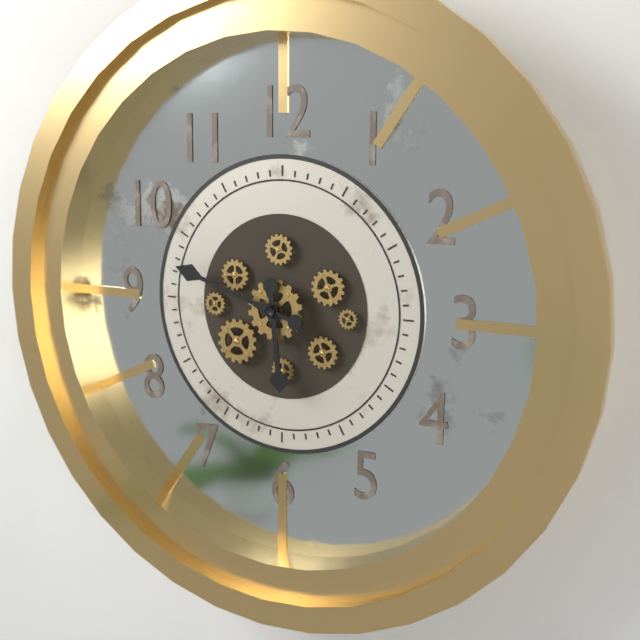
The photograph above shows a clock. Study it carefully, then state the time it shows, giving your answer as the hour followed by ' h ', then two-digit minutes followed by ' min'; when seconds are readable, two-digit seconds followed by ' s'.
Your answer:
5 h 48 min
